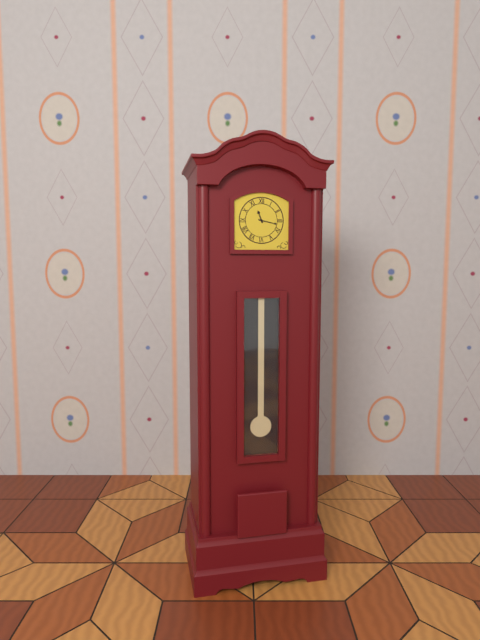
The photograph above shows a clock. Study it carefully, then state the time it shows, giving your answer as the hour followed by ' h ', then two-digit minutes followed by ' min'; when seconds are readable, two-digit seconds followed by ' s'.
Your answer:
11 h 17 min
